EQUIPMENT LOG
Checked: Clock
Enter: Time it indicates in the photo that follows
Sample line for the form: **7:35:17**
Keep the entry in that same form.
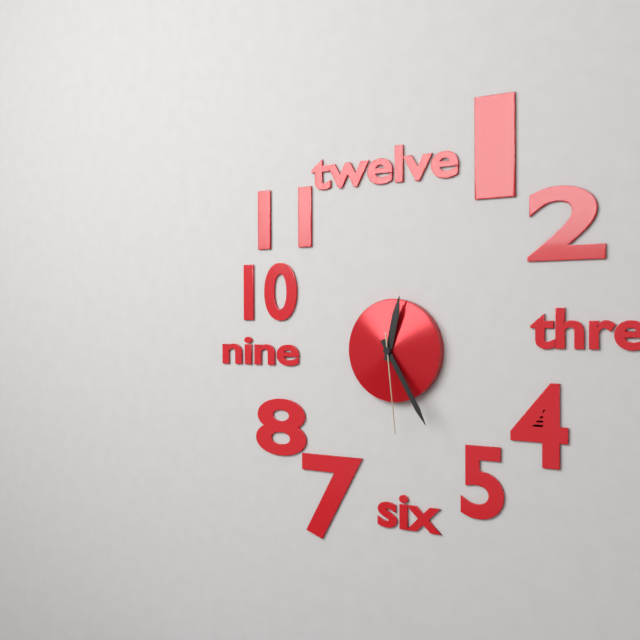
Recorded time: **12:25:29**
